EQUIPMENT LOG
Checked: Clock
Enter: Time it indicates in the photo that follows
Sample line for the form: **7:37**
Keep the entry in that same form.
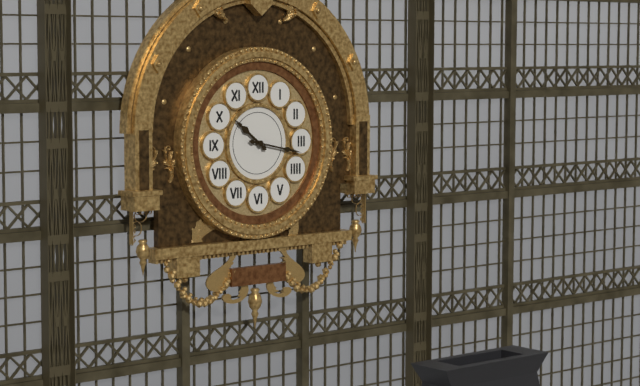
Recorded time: **10:17**
